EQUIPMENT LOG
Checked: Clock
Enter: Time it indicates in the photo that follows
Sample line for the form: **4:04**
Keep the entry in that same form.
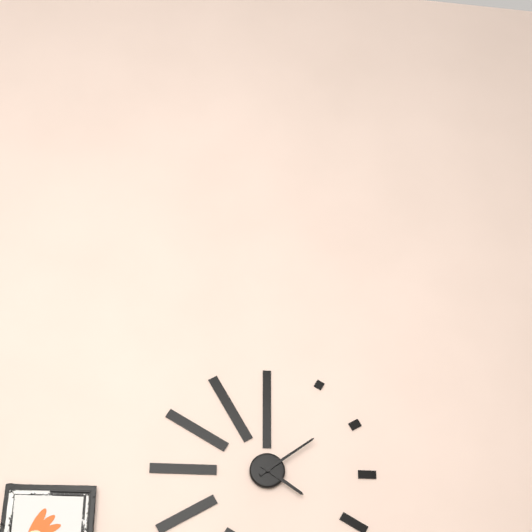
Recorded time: **4:09**
